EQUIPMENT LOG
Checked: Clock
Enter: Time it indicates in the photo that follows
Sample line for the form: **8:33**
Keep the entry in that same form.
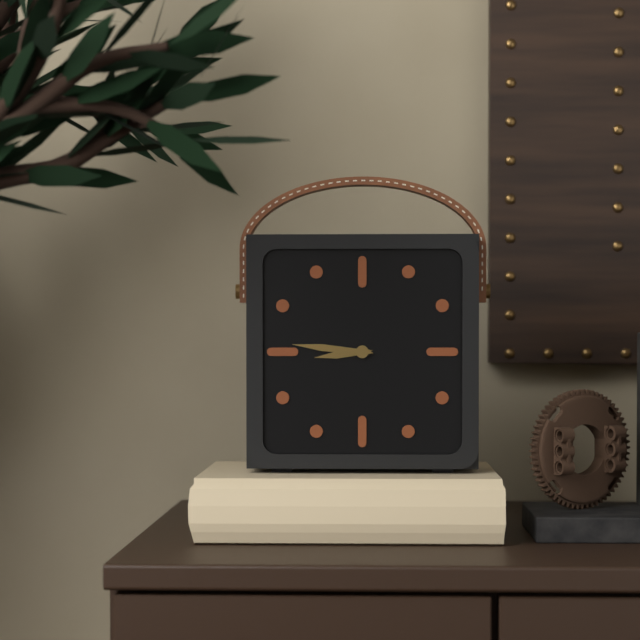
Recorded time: **8:46**
